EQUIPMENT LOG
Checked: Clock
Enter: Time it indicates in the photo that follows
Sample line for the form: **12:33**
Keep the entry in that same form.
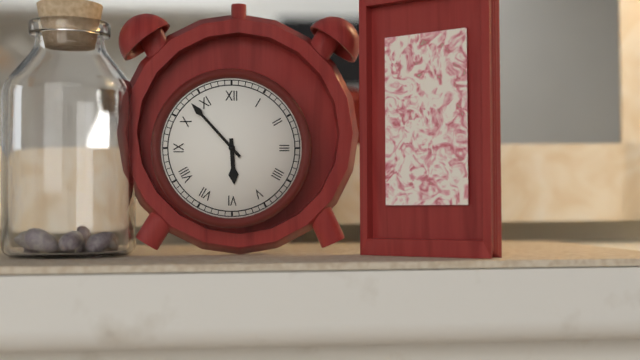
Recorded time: **5:53**
